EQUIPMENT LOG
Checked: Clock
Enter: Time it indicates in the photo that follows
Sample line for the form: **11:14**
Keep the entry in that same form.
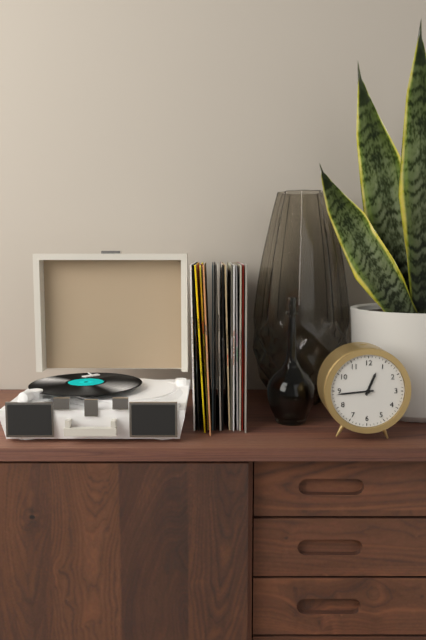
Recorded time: **12:44**
